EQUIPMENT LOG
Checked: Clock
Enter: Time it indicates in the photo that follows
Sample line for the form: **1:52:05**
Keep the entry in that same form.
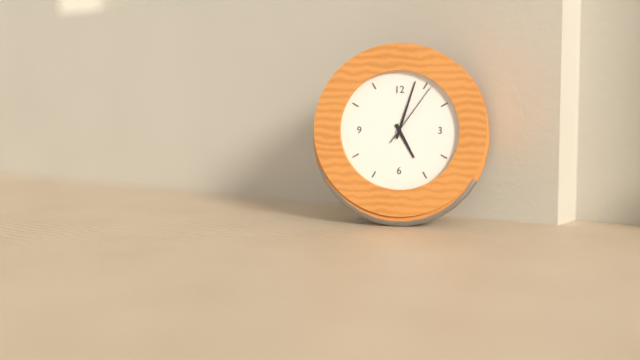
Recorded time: **5:03:06**
